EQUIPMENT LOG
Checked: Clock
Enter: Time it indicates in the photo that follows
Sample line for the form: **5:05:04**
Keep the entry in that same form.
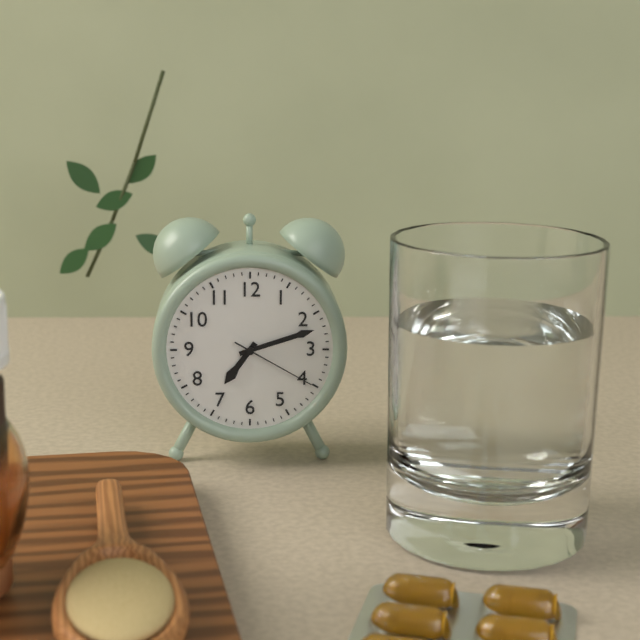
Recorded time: **7:12:20**
